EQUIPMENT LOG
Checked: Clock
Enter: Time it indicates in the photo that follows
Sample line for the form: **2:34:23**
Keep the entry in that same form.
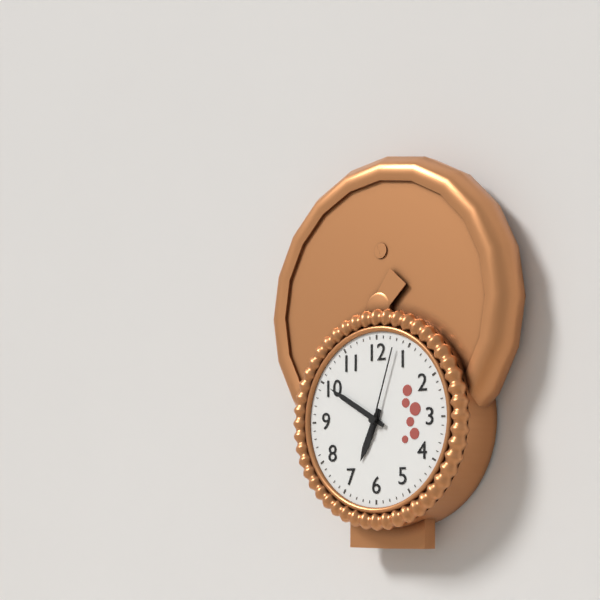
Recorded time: **6:50:03**
